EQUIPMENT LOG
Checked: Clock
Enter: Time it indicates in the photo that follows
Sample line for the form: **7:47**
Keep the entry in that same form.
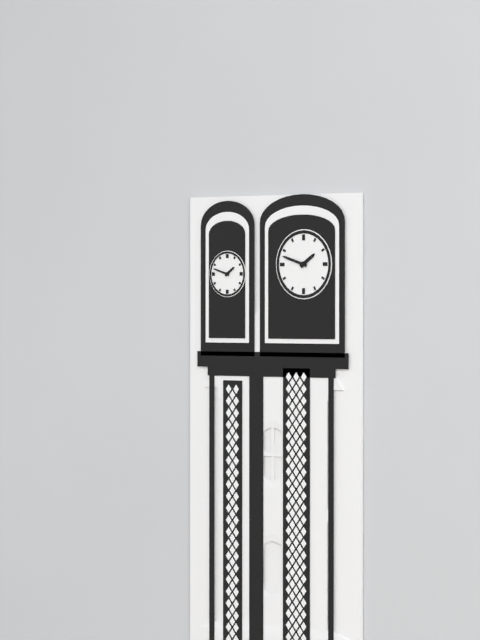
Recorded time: **1:48**
